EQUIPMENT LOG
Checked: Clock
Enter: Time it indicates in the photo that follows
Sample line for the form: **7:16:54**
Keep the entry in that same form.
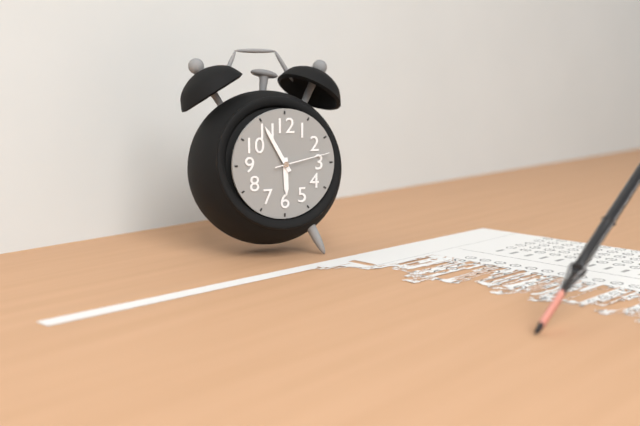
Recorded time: **5:55:13**
